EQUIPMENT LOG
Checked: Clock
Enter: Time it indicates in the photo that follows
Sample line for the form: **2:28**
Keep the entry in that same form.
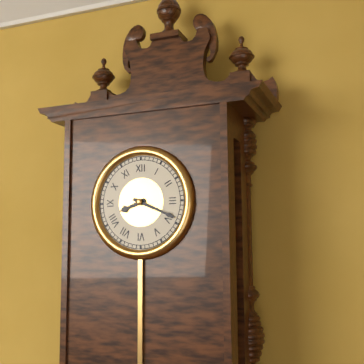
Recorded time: **8:19**
